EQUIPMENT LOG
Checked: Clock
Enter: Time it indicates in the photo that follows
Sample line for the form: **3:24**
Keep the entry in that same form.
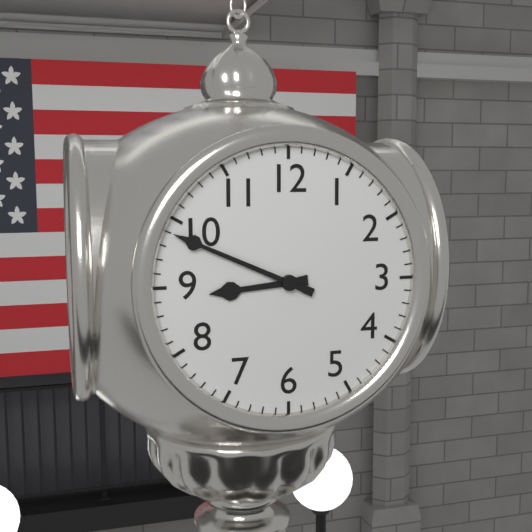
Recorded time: **8:49**
